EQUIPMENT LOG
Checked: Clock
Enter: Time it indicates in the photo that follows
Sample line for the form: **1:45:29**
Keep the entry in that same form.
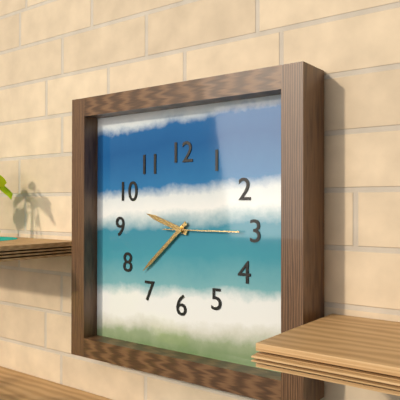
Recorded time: **9:38:15**
